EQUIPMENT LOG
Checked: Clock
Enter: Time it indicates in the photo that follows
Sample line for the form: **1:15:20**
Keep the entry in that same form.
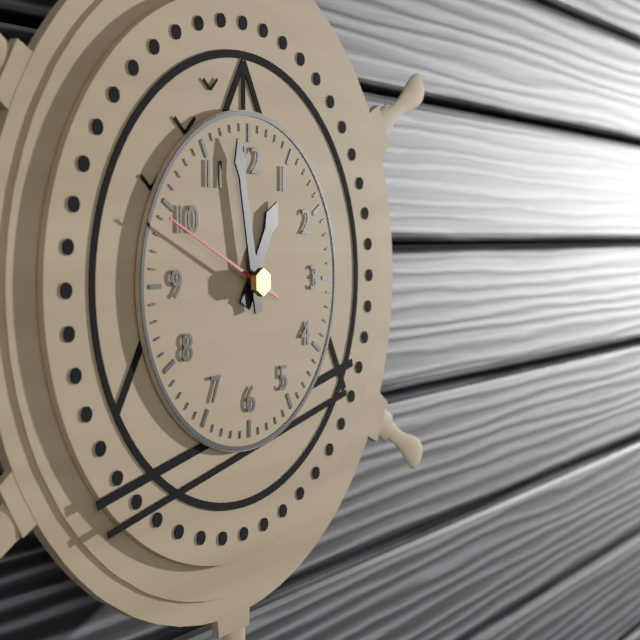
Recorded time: **12:58:49**
